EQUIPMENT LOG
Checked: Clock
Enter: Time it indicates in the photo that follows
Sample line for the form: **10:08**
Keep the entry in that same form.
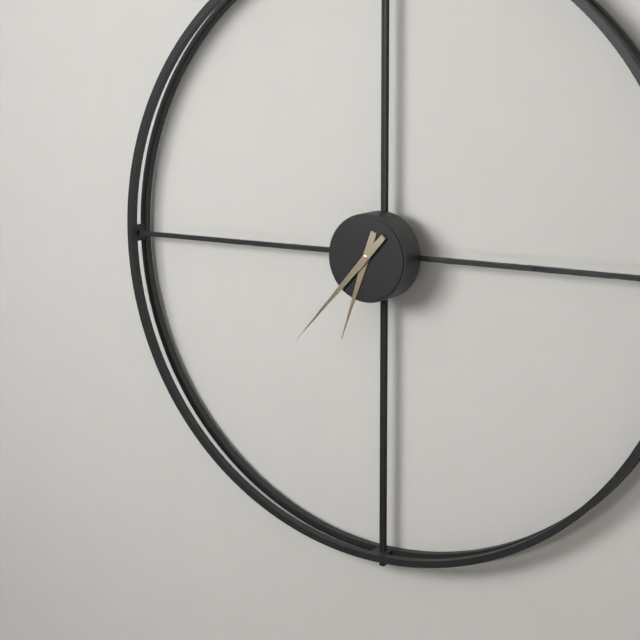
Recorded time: **6:37**
